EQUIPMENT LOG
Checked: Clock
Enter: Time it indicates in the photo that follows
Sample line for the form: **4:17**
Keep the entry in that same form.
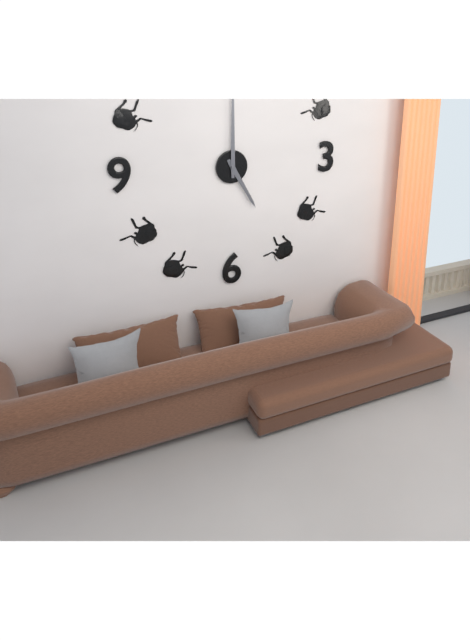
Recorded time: **5:00**
